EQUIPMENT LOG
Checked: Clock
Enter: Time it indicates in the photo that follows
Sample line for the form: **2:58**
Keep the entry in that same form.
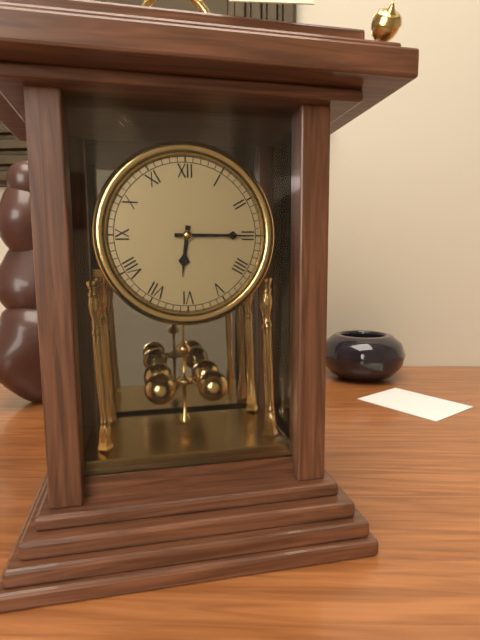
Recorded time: **6:15**
